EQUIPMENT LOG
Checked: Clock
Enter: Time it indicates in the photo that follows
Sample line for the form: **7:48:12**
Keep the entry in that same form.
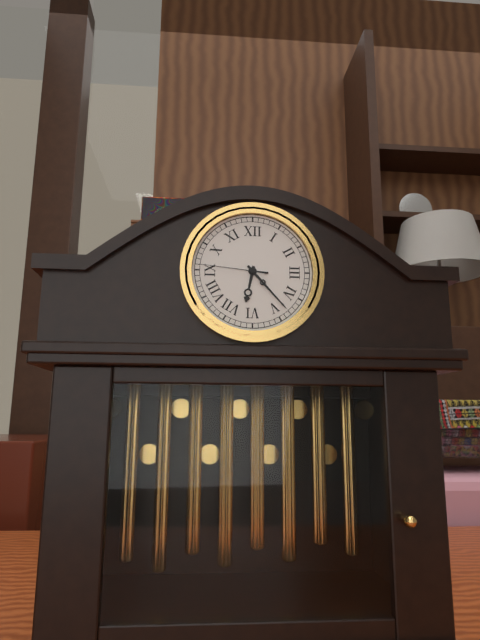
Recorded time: **6:23:46**
